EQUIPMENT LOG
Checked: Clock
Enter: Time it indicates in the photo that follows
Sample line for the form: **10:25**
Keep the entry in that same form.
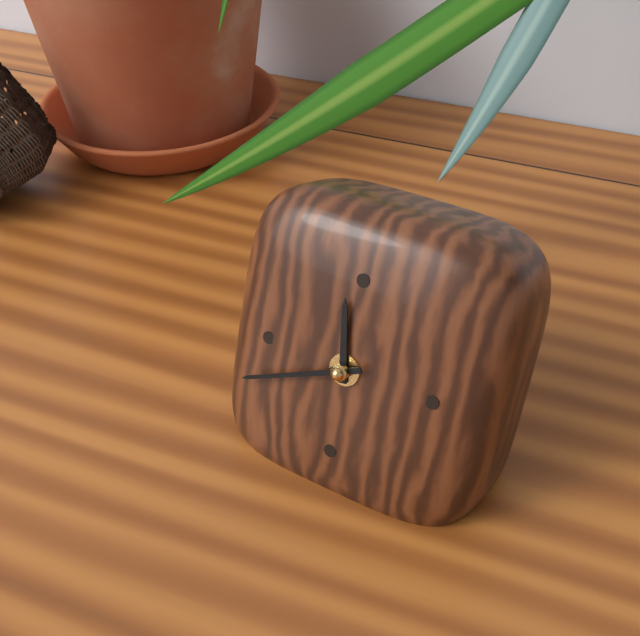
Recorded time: **11:41**
